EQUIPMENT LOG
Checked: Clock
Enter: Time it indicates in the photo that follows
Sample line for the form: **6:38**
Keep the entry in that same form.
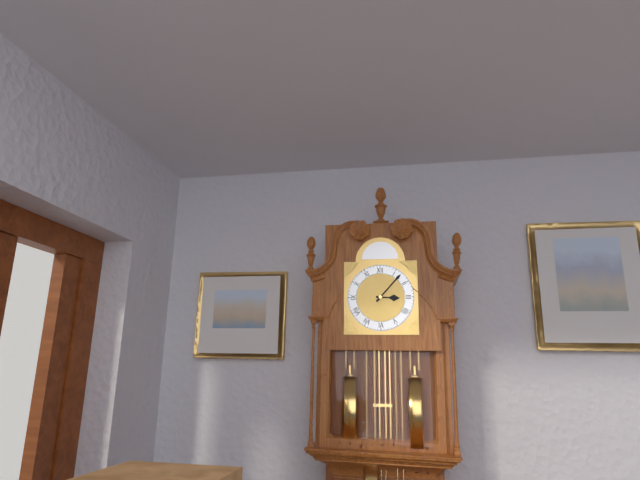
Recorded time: **3:07**
